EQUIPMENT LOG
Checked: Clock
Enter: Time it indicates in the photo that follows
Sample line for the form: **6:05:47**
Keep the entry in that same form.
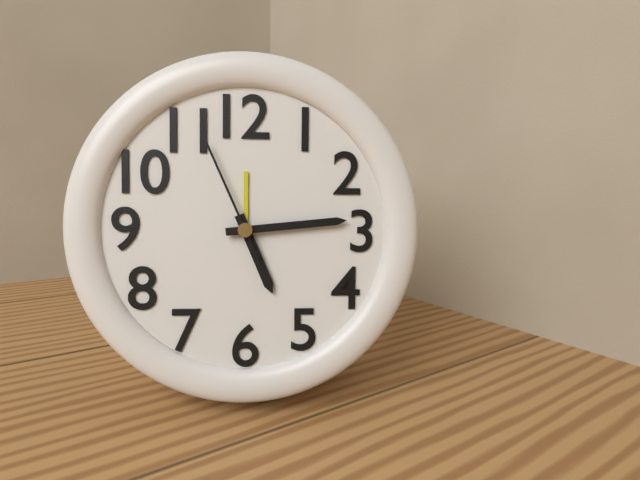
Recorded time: **5:14:56**
